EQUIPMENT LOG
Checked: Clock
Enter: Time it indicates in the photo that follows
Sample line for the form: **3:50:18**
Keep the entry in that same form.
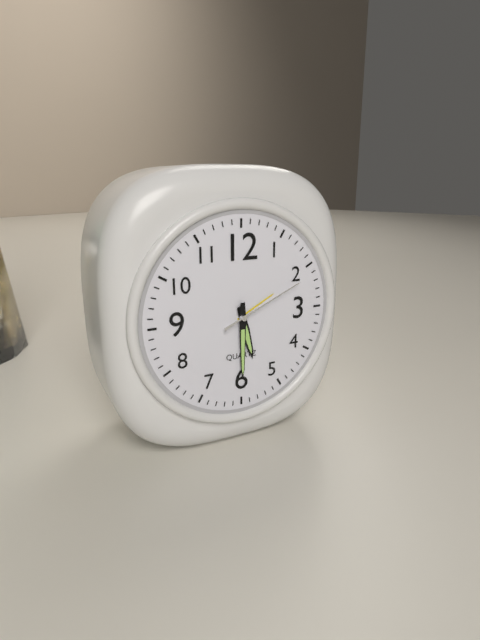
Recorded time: **5:30:11**
